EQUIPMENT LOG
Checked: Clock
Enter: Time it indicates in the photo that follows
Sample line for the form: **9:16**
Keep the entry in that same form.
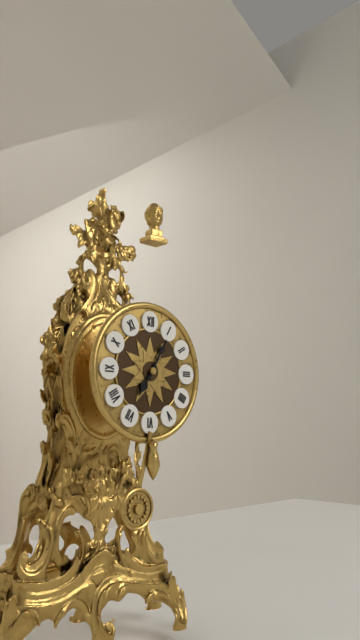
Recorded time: **7:05**
